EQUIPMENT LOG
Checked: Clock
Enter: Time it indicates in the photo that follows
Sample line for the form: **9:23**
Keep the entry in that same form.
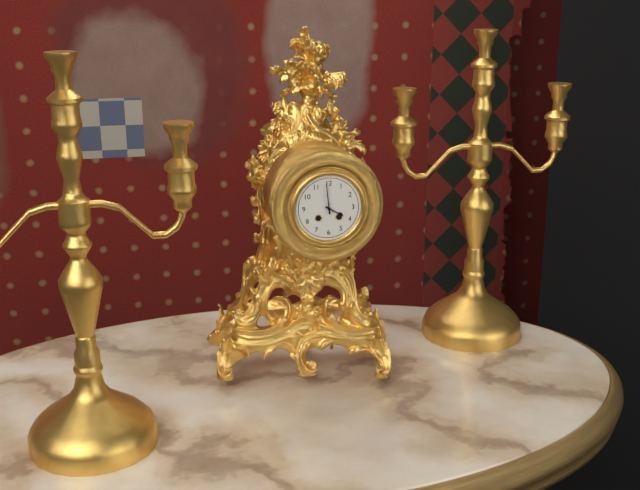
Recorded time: **3:59**
